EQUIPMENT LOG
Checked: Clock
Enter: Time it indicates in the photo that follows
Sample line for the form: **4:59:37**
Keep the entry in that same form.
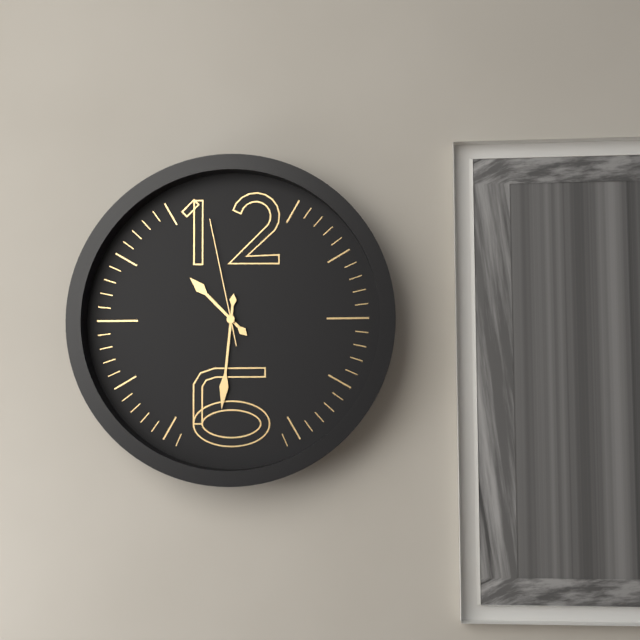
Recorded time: **10:31:58**
